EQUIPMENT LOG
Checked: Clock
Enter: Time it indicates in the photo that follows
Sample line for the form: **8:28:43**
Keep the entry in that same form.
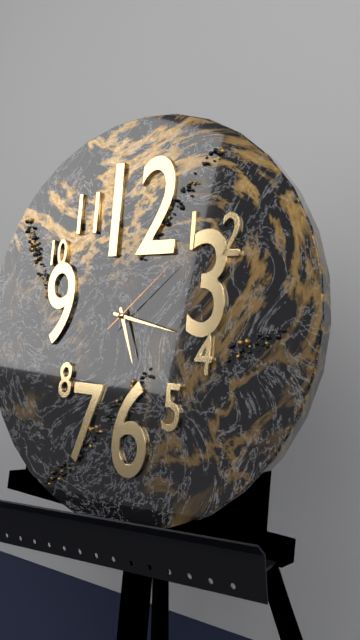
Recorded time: **5:17:08**
